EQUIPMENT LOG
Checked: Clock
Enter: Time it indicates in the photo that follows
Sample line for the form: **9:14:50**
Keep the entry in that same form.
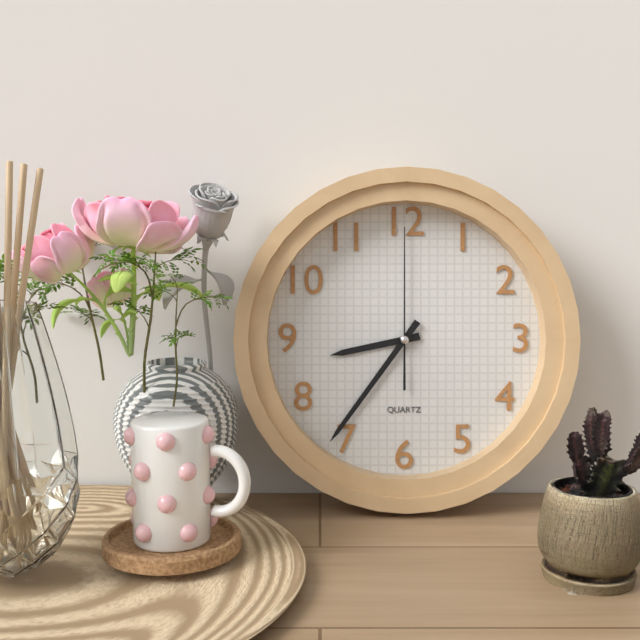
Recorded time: **8:36:00**
